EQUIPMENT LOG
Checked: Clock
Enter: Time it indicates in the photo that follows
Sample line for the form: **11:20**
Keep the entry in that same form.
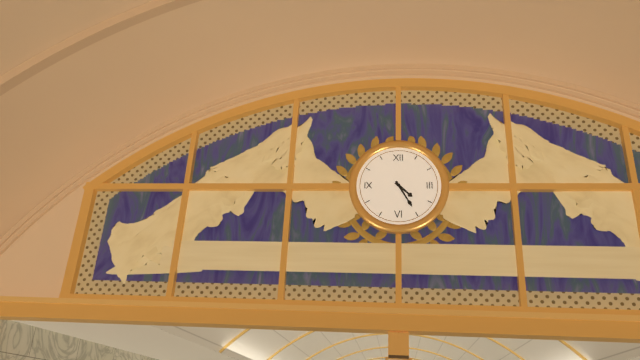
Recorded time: **4:25**
